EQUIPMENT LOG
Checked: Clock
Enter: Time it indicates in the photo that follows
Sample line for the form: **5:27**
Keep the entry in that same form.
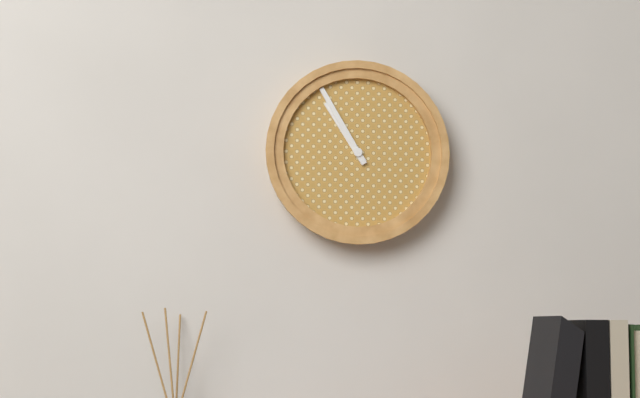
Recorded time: **10:55**
